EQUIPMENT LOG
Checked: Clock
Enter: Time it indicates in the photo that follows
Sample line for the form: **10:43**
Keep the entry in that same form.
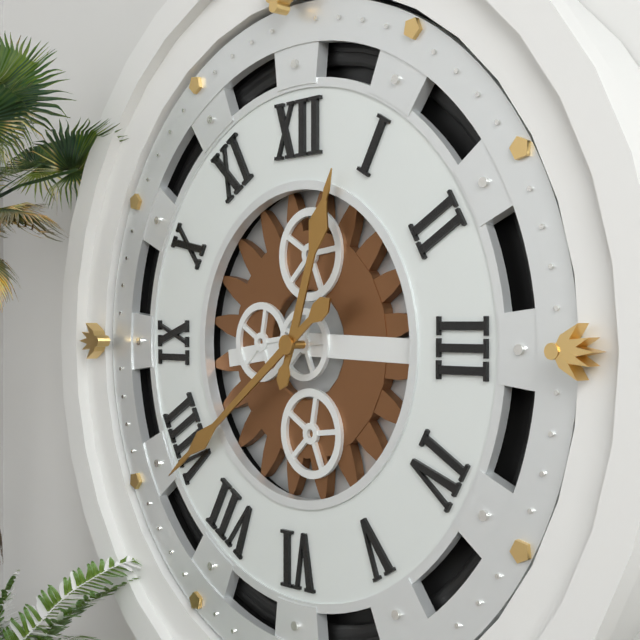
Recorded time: **12:39**
